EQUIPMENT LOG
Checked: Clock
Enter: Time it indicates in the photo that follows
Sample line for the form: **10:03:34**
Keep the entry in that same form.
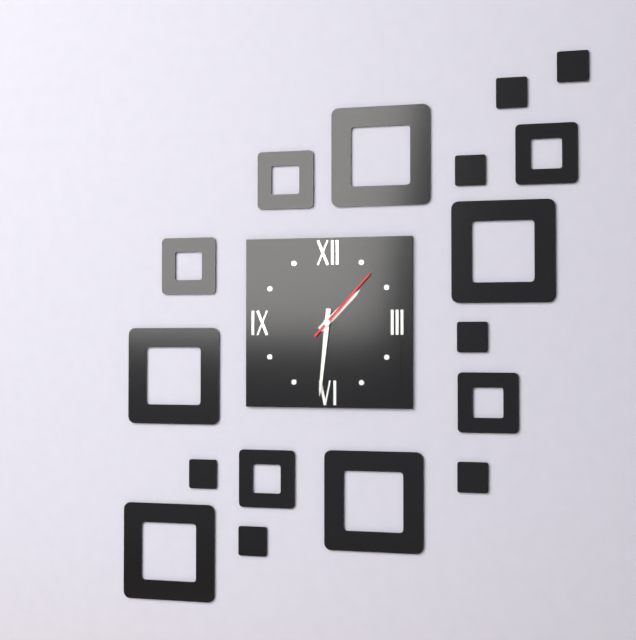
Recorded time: **1:31:07**
